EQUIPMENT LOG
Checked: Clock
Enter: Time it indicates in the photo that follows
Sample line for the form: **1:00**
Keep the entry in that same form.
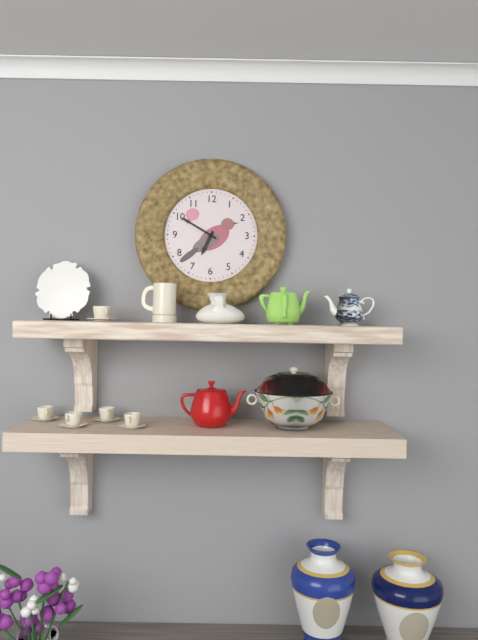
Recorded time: **6:50**
